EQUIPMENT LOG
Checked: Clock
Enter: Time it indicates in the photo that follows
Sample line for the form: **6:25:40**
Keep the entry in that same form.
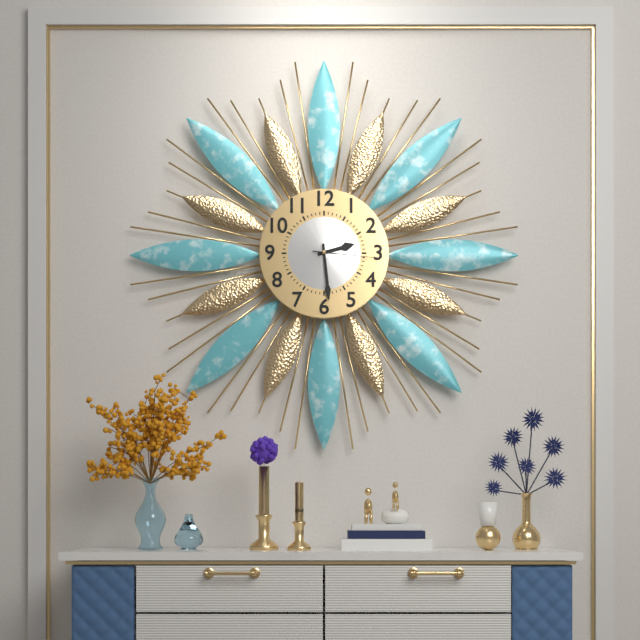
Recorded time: **2:29:16**
